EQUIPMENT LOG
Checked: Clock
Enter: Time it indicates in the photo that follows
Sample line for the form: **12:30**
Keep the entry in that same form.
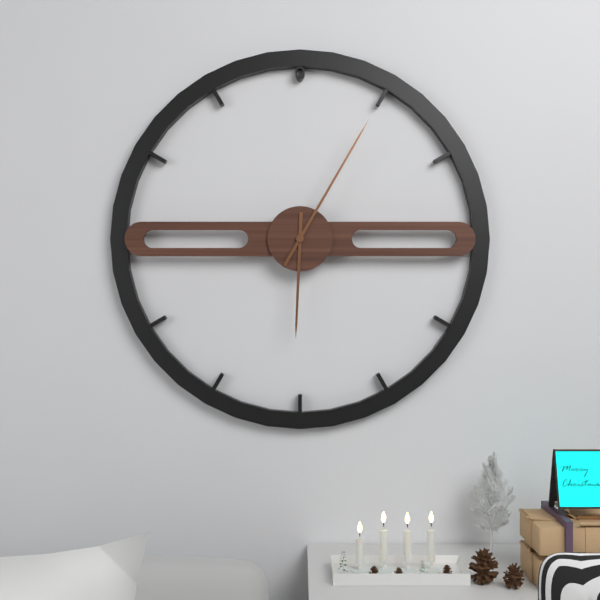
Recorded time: **6:05**
